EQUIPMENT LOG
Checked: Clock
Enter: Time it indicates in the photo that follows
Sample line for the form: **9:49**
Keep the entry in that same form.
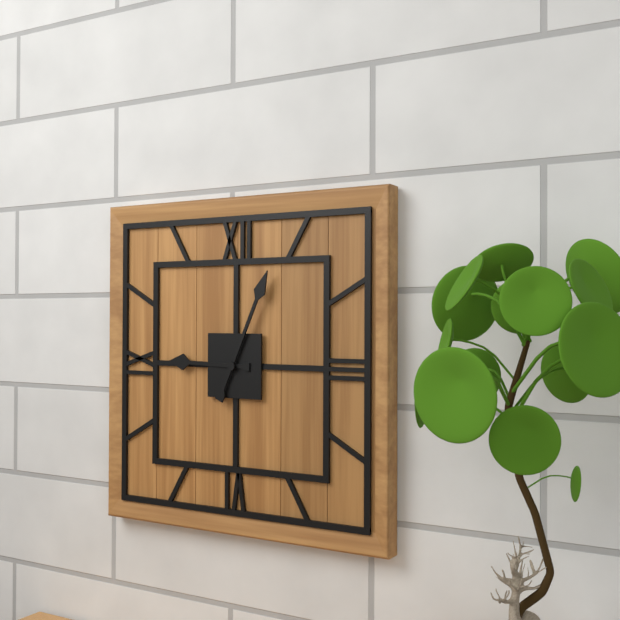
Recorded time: **9:04**
